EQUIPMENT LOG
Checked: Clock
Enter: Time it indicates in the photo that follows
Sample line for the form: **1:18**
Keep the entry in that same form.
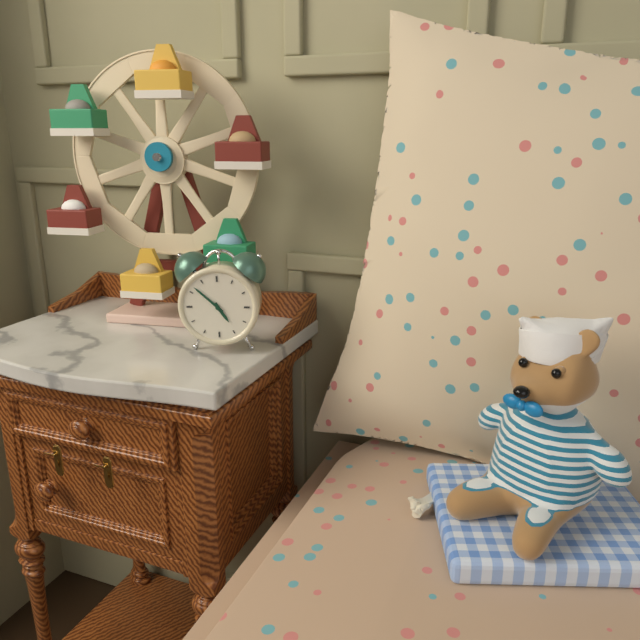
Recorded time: **4:52**
